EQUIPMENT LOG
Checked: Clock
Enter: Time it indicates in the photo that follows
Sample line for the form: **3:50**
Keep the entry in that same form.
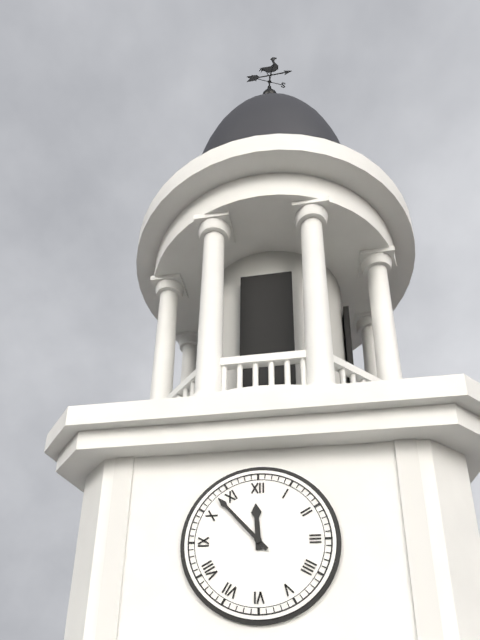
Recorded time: **11:53**
